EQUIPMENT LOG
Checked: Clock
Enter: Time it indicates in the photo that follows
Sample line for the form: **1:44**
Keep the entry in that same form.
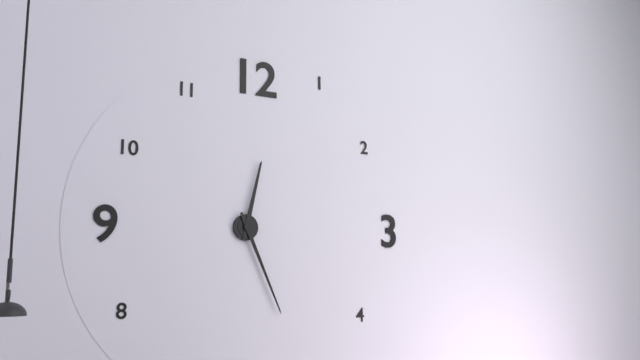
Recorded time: **12:26**
